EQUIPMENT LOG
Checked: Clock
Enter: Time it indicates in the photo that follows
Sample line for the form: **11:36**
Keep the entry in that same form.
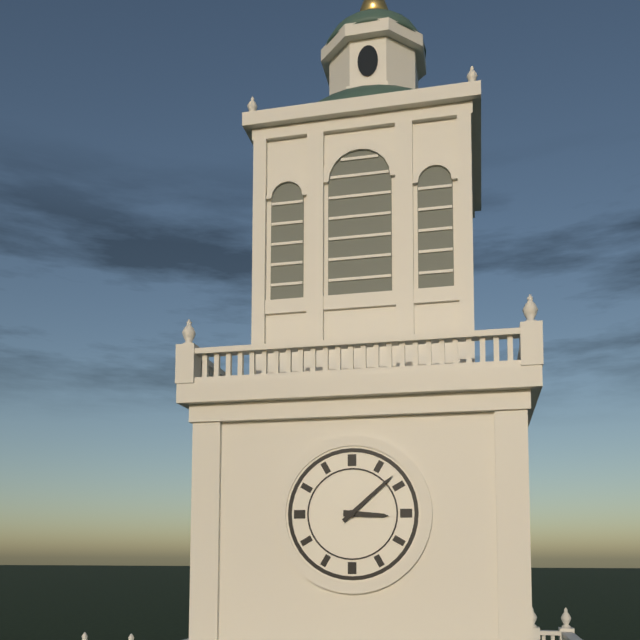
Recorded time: **3:08**
